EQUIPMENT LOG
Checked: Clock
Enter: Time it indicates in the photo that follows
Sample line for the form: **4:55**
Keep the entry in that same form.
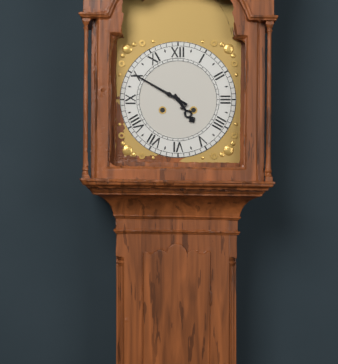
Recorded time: **4:50**
